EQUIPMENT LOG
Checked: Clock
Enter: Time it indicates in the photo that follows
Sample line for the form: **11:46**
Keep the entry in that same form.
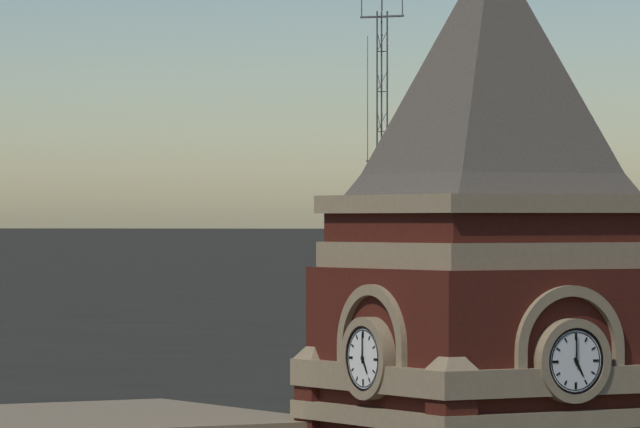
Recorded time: **5:00**
